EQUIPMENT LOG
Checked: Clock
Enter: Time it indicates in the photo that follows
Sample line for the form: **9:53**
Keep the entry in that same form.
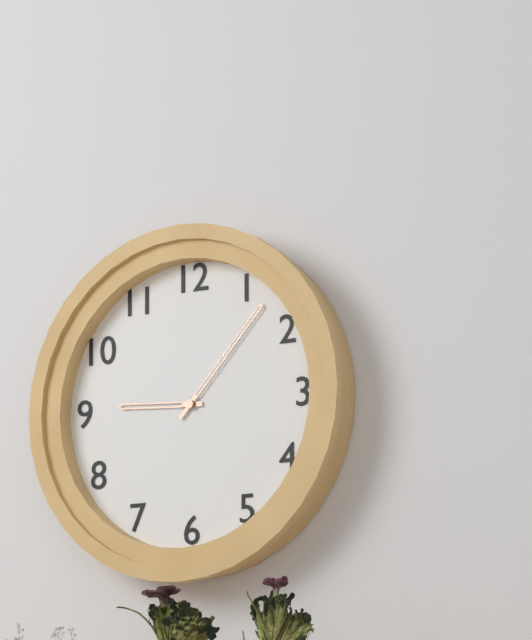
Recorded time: **9:07**
